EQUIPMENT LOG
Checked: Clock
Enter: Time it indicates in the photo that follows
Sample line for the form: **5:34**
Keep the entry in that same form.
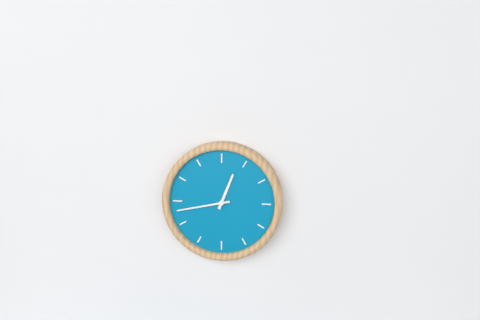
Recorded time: **12:43**
